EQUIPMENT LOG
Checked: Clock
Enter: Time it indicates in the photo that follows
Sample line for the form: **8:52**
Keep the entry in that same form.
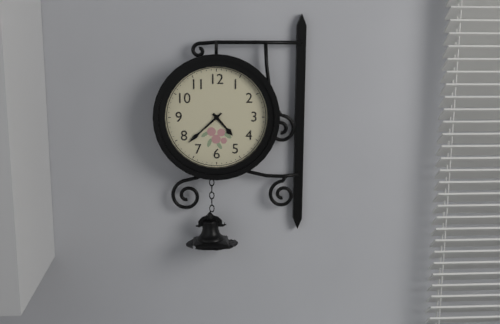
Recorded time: **4:38**
